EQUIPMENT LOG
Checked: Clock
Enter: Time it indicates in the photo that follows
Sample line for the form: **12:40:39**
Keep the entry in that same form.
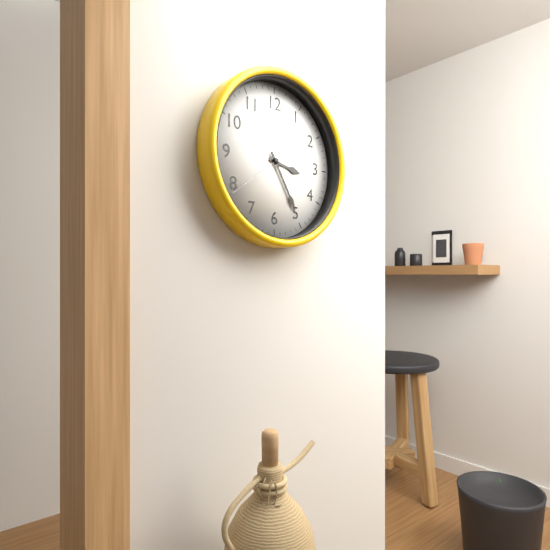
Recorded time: **3:25:39**
